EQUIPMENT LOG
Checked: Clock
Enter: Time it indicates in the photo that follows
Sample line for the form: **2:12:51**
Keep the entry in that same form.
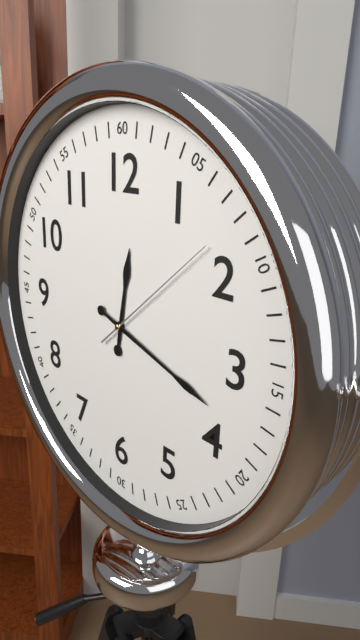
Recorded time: **12:18:08**
